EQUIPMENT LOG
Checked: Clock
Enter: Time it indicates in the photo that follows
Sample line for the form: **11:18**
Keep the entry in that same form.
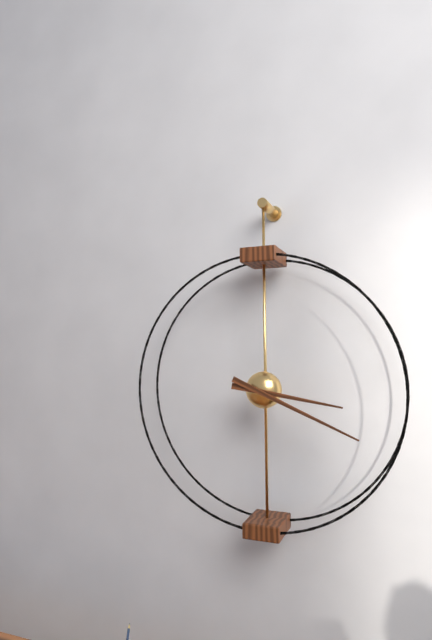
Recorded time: **3:19**
